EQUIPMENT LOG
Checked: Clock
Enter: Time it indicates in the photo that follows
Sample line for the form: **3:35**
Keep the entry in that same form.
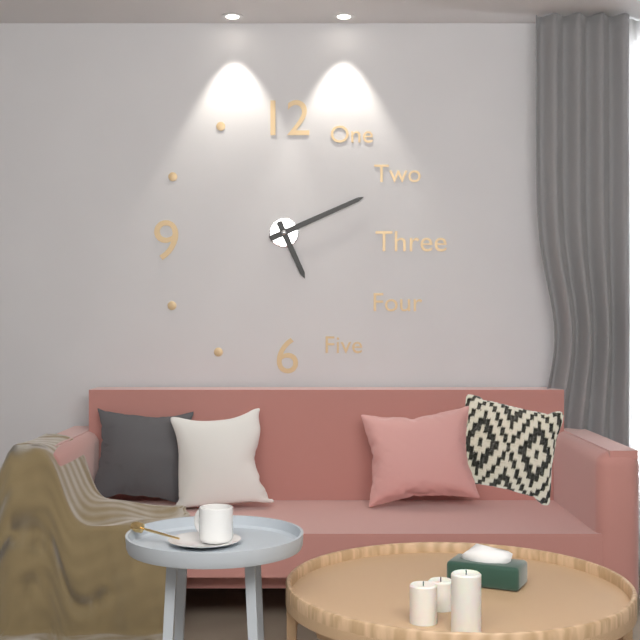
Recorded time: **5:11**
